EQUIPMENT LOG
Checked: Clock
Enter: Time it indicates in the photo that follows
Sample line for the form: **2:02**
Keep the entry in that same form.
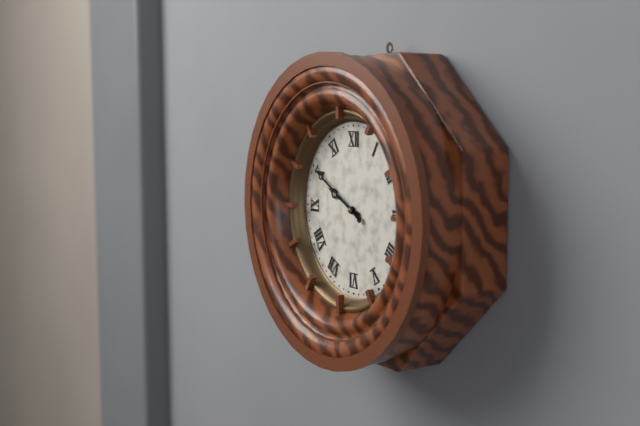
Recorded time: **9:50**
